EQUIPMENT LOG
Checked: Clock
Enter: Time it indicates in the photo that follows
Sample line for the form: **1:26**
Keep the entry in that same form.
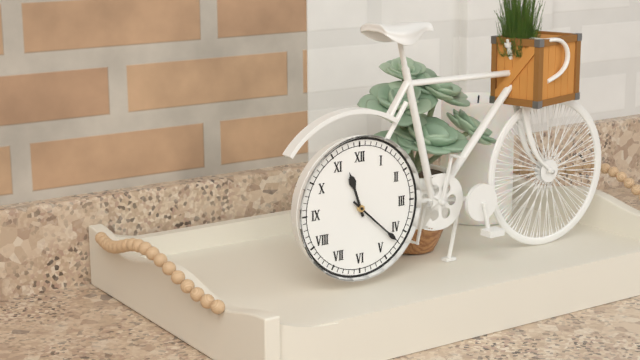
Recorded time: **11:22**
